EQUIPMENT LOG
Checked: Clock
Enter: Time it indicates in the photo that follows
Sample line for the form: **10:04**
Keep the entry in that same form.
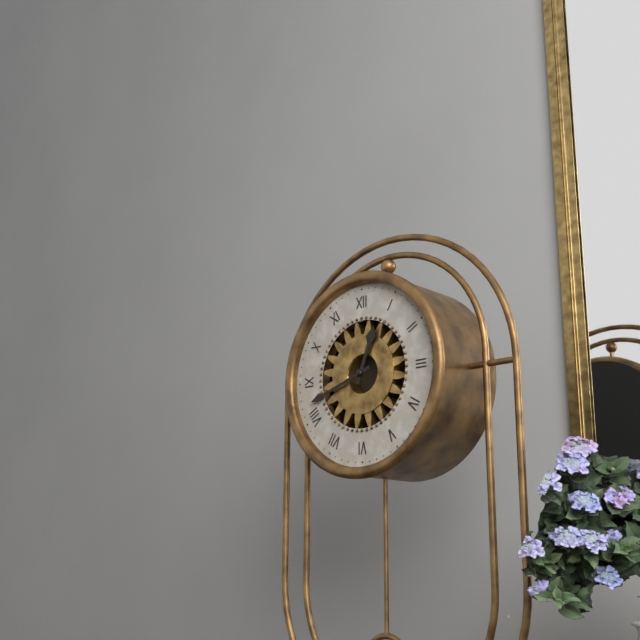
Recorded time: **12:42**
